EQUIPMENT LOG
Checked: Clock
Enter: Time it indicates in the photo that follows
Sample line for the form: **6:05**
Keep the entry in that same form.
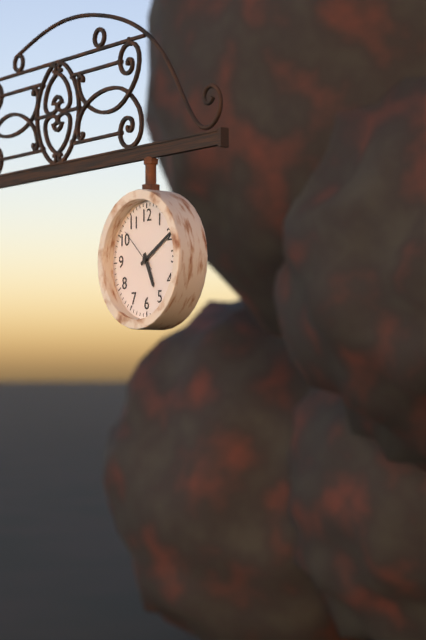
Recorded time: **5:10**
